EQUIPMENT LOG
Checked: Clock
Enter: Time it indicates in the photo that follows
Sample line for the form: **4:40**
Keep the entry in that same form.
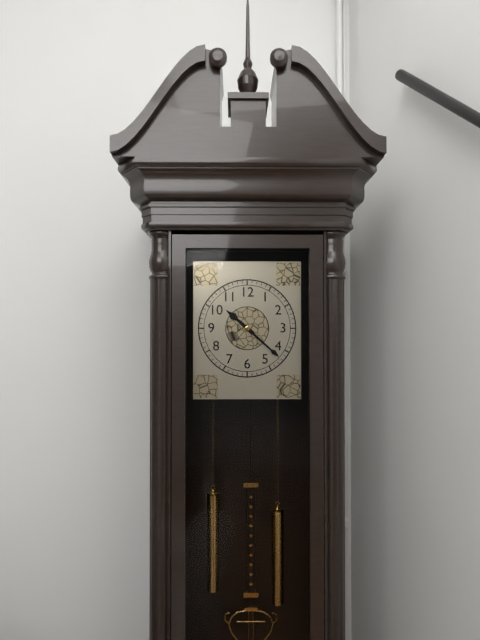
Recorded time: **10:22**
